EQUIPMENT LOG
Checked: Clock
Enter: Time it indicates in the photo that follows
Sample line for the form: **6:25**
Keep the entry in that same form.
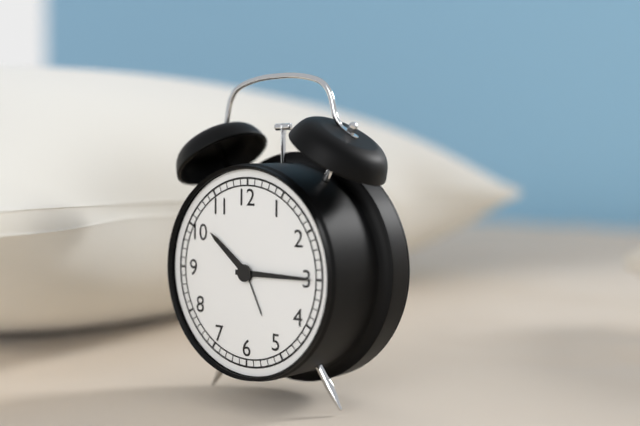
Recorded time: **10:15**
